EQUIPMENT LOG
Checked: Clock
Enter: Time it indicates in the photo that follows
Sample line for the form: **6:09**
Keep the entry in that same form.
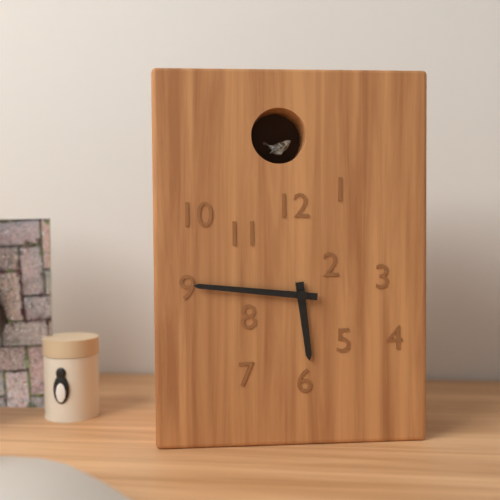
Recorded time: **5:46**
